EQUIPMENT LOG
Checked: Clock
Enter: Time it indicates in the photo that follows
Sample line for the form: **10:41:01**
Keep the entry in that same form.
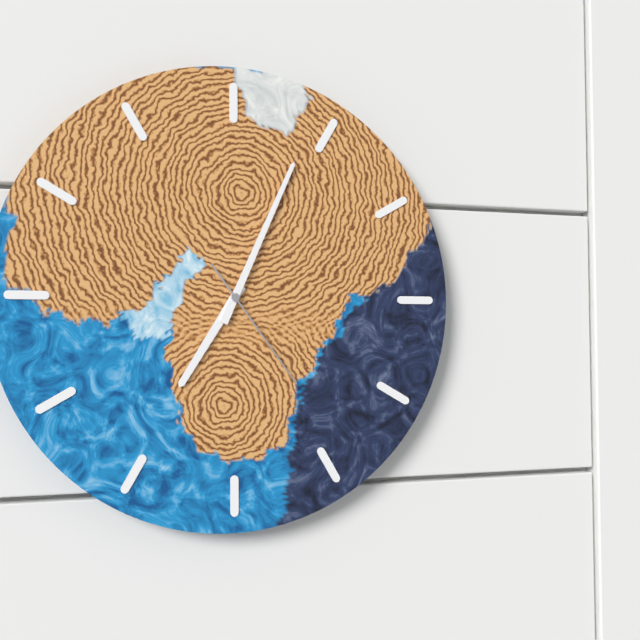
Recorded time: **7:04:24**
